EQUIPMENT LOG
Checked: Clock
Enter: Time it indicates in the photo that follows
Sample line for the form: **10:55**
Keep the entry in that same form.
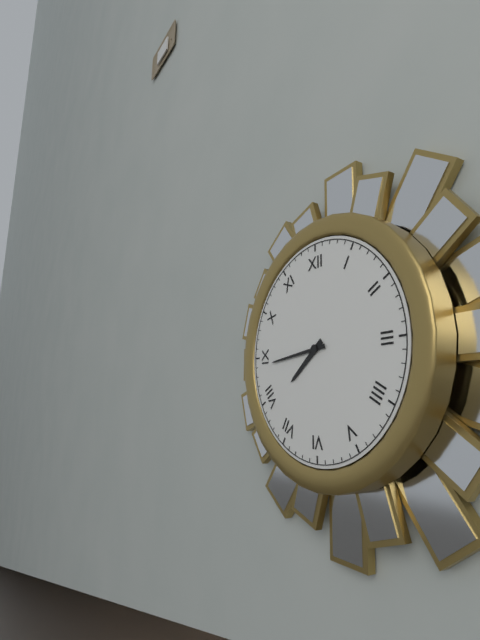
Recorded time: **7:44**
